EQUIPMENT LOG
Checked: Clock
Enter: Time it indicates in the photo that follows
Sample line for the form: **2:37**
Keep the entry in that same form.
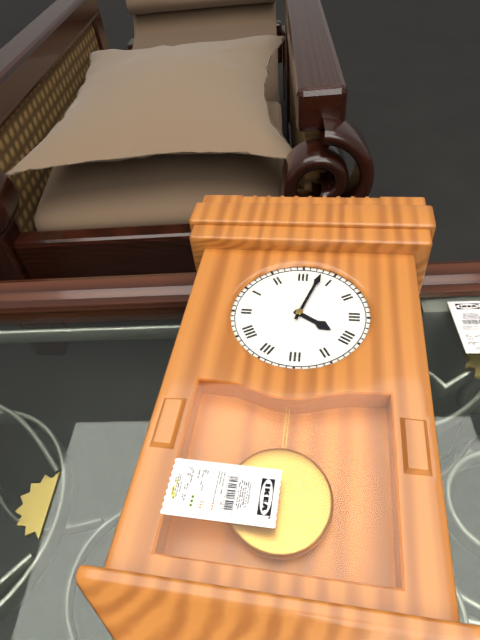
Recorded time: **4:03**
